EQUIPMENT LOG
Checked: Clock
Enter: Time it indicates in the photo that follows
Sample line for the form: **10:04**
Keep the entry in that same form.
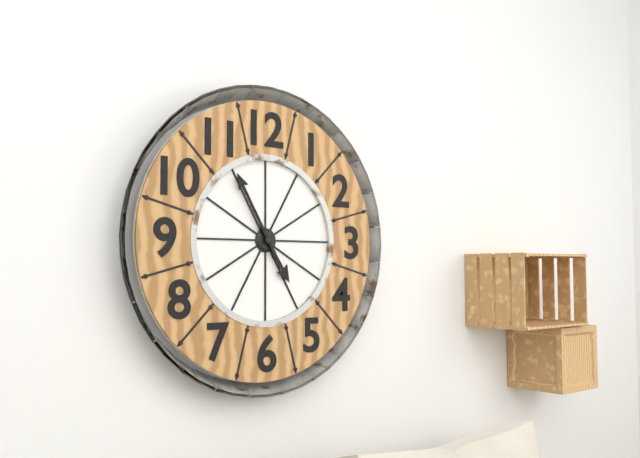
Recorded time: **4:55**
